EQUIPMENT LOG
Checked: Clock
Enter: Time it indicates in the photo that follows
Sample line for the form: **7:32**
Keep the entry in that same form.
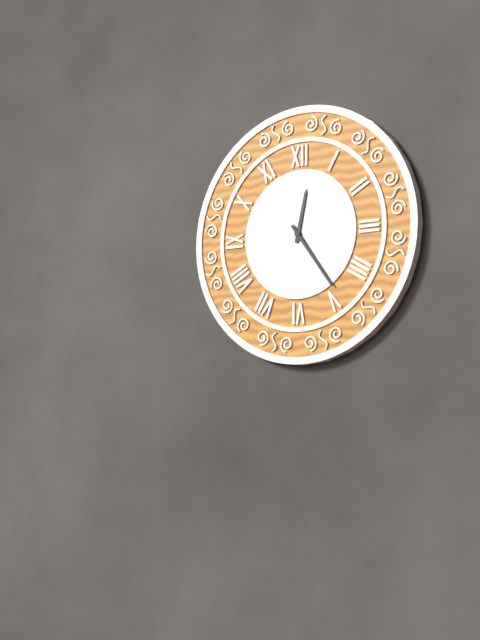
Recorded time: **12:24**
